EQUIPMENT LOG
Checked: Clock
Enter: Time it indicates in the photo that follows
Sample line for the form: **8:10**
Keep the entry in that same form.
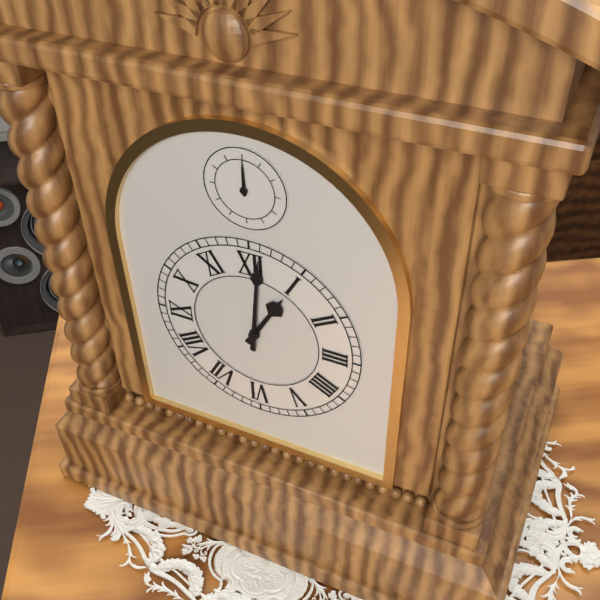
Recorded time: **1:01**
